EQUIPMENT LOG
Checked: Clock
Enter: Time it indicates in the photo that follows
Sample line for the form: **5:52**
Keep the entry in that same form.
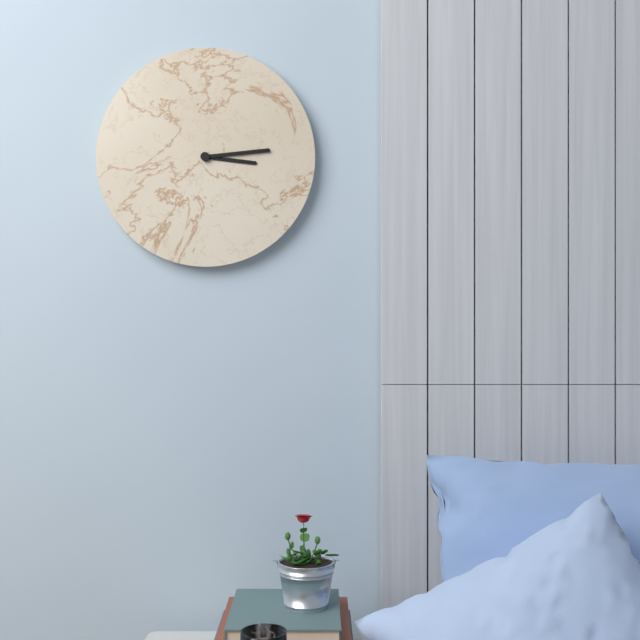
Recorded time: **3:14**
